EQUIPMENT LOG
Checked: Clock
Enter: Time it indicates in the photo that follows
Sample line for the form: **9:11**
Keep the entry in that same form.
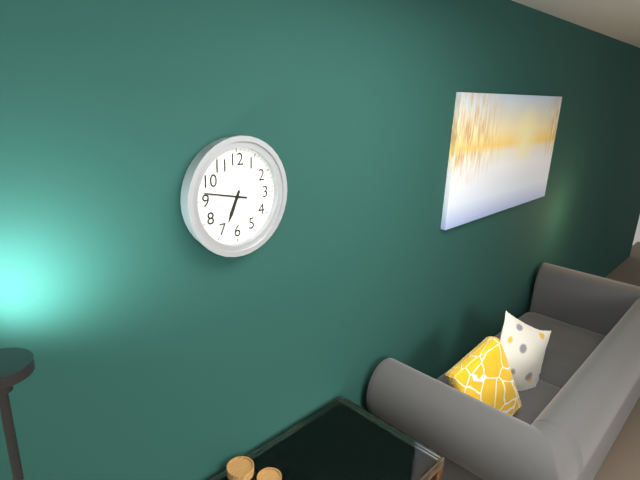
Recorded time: **6:47**
